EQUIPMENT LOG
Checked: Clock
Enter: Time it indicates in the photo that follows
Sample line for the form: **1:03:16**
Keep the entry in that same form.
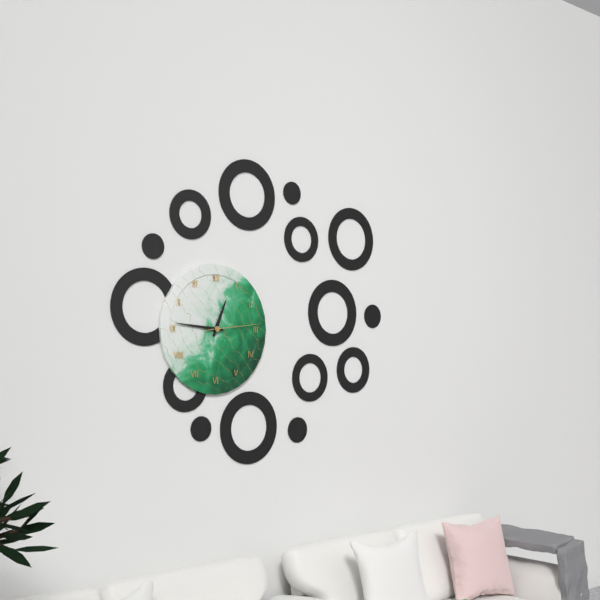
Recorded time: **12:46:14**
